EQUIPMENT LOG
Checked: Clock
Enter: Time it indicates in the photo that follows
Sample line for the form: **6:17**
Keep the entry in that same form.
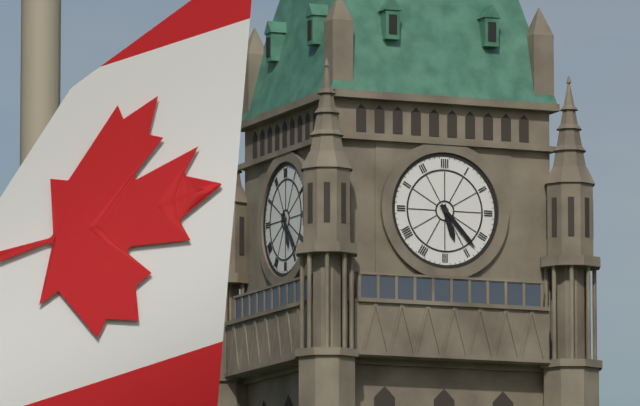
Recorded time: **5:23**
